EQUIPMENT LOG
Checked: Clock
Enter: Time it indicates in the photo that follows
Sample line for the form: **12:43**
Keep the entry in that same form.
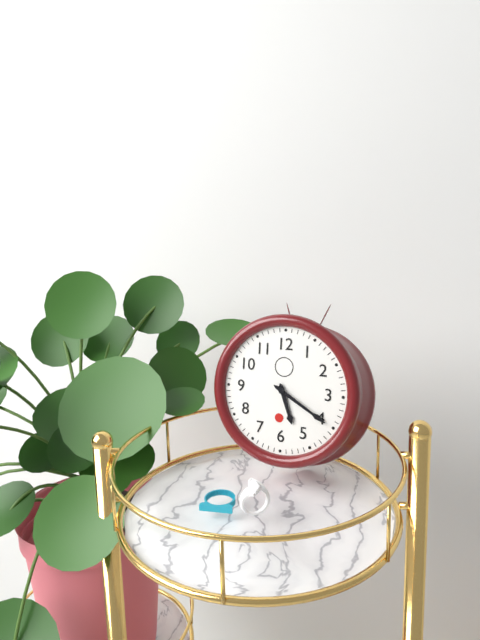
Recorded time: **5:20**
